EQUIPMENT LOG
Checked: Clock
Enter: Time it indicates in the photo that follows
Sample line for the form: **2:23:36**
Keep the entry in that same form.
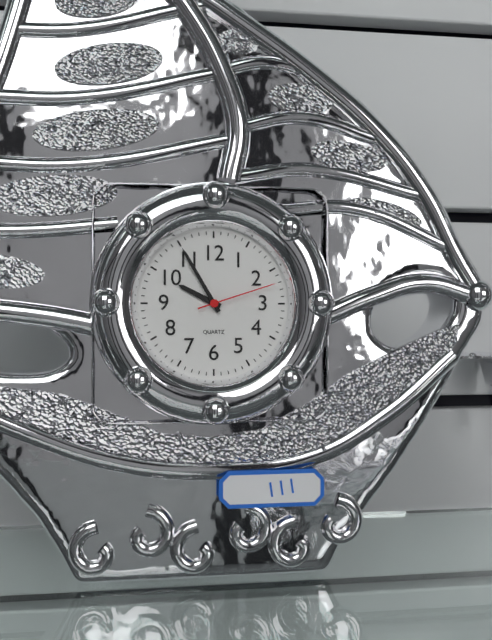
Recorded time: **9:55:12**
